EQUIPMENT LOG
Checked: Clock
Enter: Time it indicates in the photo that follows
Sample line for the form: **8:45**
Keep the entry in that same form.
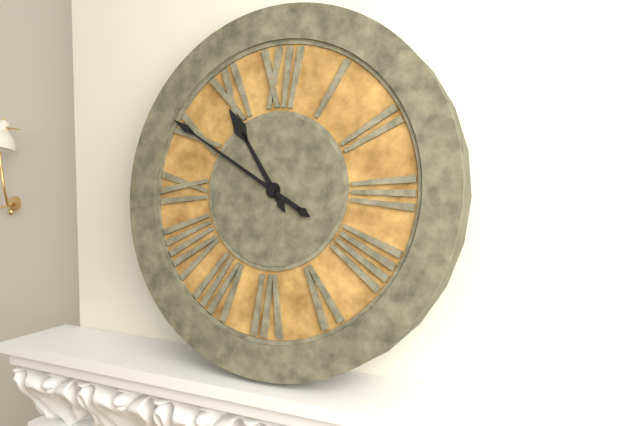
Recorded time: **10:50**
